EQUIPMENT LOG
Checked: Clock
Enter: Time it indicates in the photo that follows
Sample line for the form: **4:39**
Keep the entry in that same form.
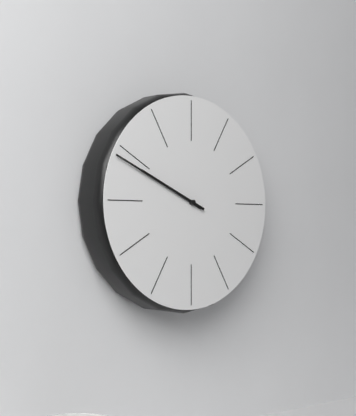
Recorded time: **9:49**
